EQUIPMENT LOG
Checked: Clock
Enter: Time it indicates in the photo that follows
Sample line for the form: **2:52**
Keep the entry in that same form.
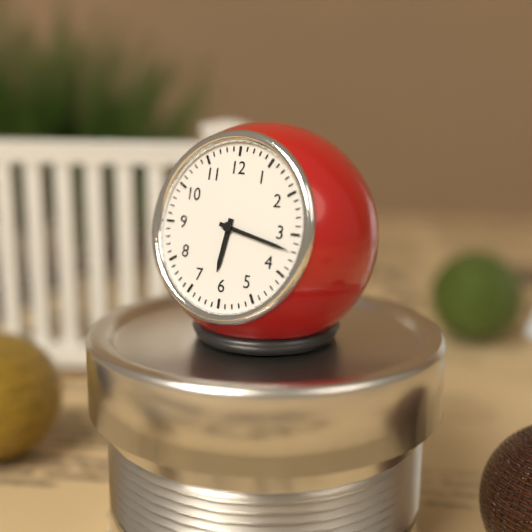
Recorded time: **6:17**
